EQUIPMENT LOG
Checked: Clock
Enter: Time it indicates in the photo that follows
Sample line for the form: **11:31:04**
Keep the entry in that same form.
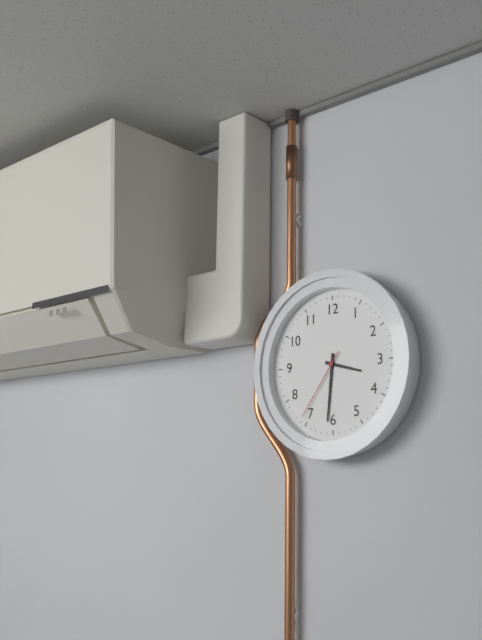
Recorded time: **3:31:36**
